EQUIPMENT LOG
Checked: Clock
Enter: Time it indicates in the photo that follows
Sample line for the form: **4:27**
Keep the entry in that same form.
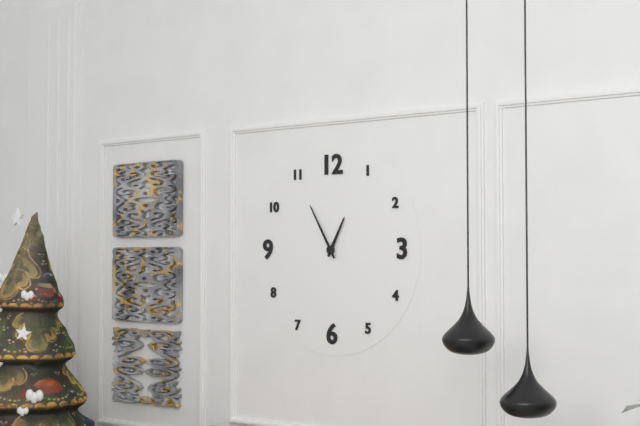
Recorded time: **12:55**
